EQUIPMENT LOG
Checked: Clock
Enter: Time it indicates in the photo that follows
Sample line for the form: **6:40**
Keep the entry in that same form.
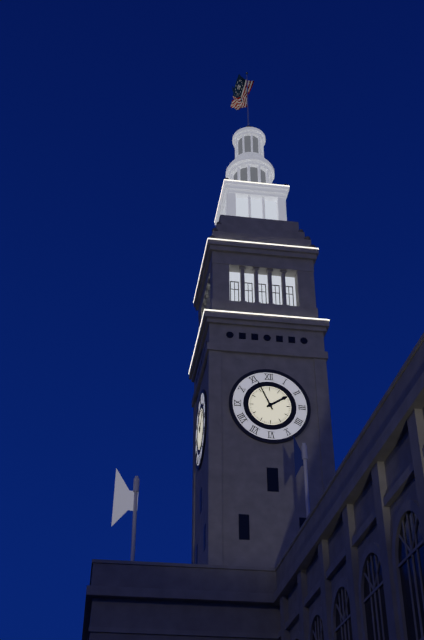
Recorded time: **1:56**
